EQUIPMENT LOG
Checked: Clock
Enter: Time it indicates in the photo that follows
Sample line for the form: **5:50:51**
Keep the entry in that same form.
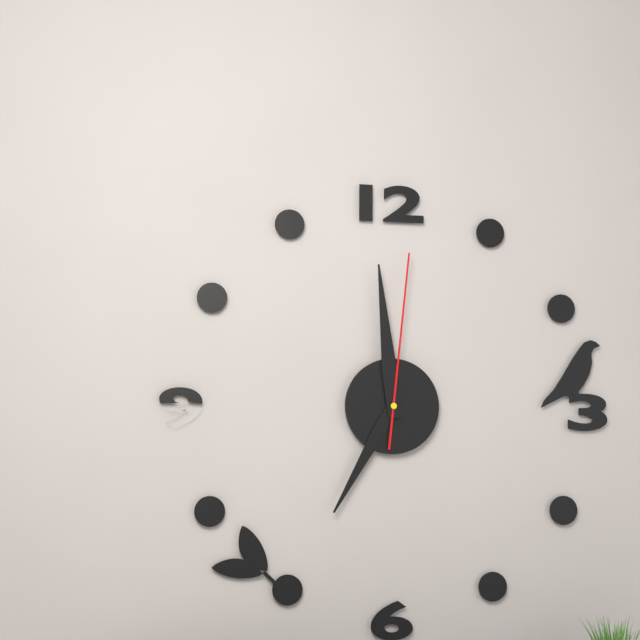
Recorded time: **6:59:01**
